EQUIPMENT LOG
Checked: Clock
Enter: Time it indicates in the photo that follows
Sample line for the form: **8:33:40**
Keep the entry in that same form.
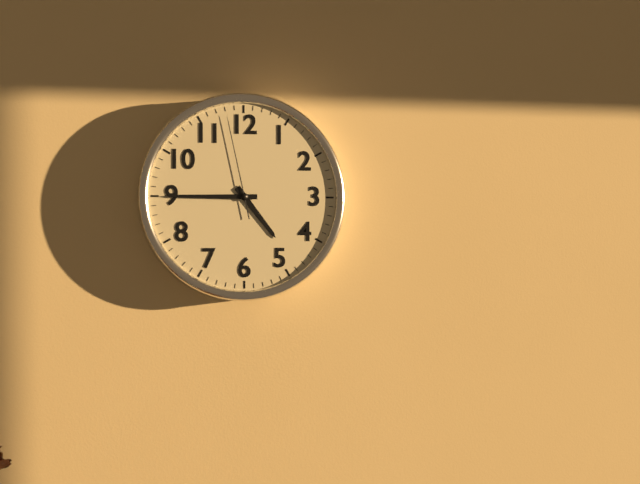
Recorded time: **4:45:58**
